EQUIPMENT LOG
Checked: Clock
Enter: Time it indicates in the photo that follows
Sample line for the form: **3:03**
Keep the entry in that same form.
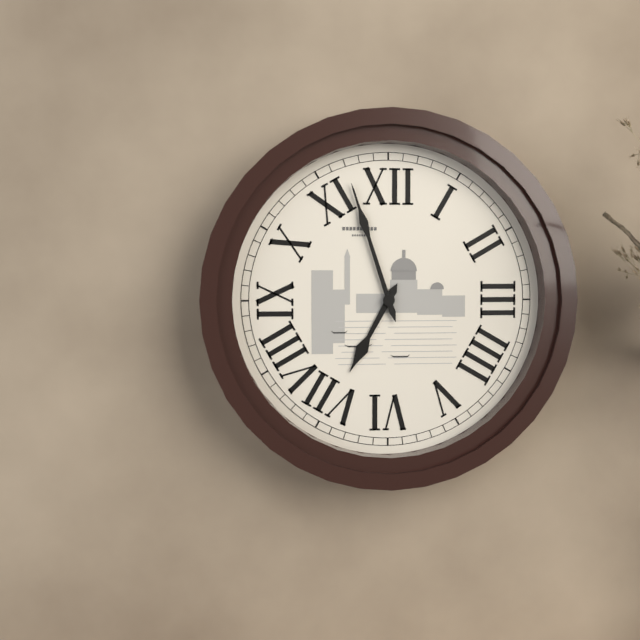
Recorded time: **6:57**
